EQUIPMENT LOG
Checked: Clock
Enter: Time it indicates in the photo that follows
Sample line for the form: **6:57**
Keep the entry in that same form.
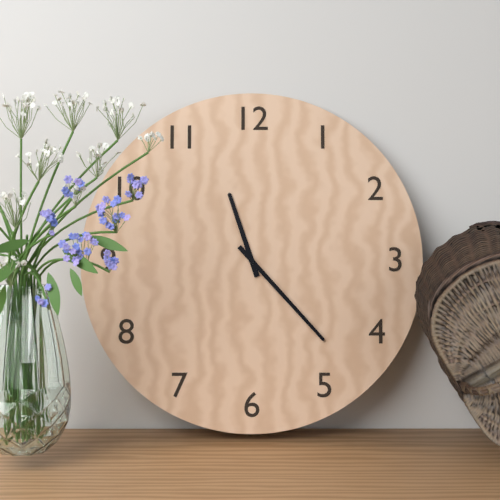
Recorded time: **11:23**
